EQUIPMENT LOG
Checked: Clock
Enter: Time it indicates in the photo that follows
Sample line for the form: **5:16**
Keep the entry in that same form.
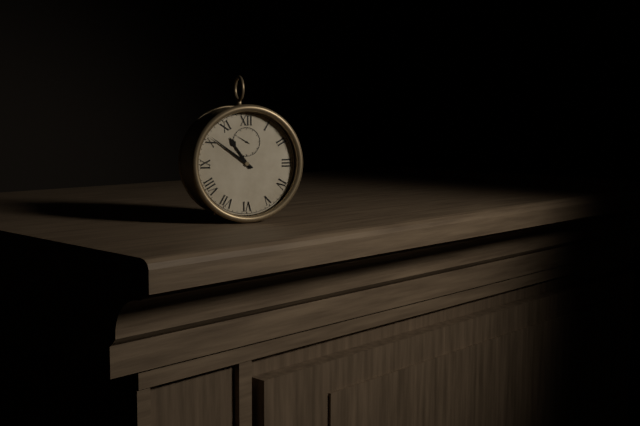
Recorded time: **10:51**
